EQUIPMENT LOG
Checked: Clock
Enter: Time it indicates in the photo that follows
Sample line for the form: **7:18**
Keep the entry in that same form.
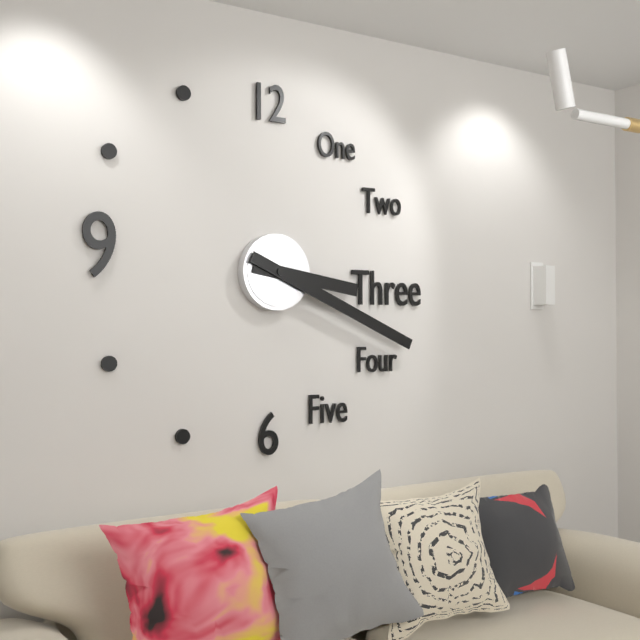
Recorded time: **3:19**
